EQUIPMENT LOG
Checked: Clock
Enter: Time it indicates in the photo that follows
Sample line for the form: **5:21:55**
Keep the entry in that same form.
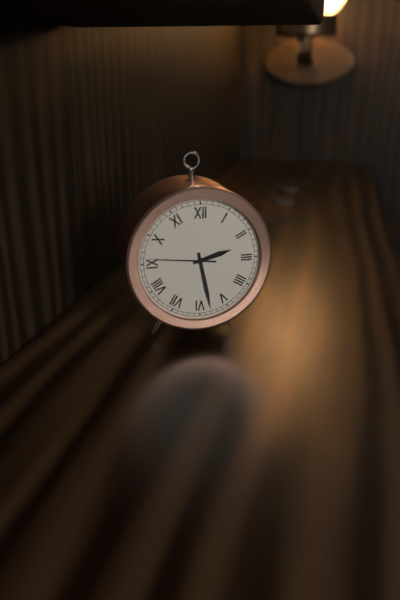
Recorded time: **2:28:46**
